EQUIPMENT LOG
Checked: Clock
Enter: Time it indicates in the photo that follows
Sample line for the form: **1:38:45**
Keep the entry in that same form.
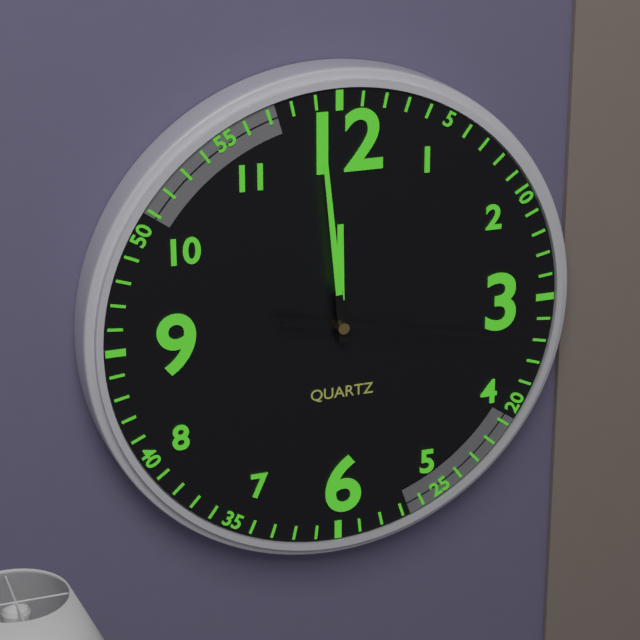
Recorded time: **11:59:17**
